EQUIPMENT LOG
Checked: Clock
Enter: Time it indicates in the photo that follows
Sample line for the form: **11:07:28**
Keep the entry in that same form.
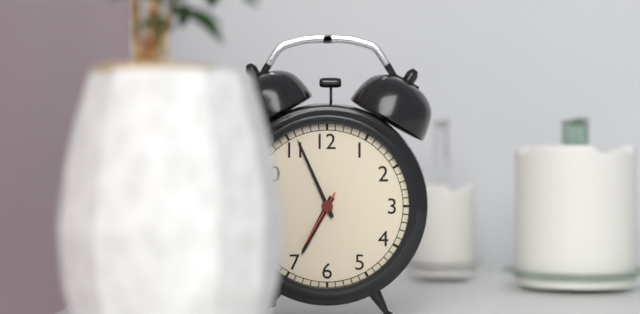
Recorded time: **6:56:35**
